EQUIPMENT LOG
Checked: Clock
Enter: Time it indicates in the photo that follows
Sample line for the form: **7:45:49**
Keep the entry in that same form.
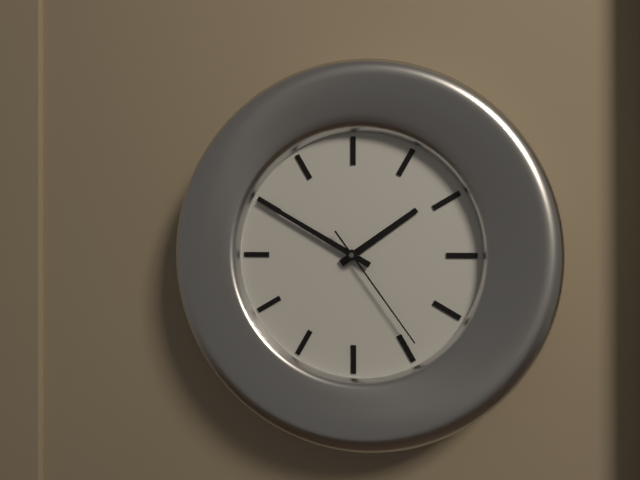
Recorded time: **1:50:24**
